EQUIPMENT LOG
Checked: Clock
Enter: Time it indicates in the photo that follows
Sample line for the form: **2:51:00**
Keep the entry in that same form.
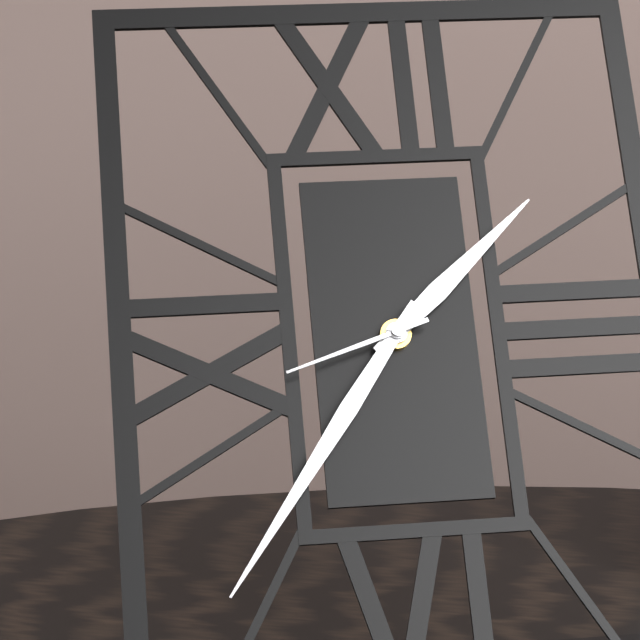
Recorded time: **1:36:42**
